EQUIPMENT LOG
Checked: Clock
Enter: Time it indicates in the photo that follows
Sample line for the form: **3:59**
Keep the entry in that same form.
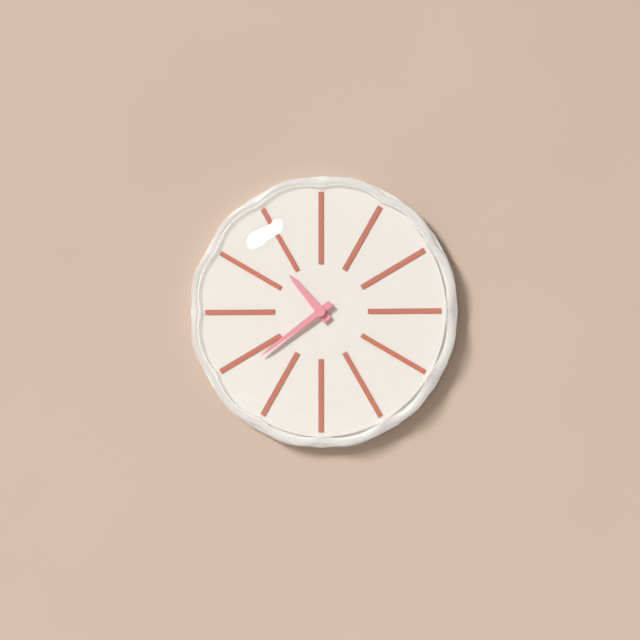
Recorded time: **10:39**
